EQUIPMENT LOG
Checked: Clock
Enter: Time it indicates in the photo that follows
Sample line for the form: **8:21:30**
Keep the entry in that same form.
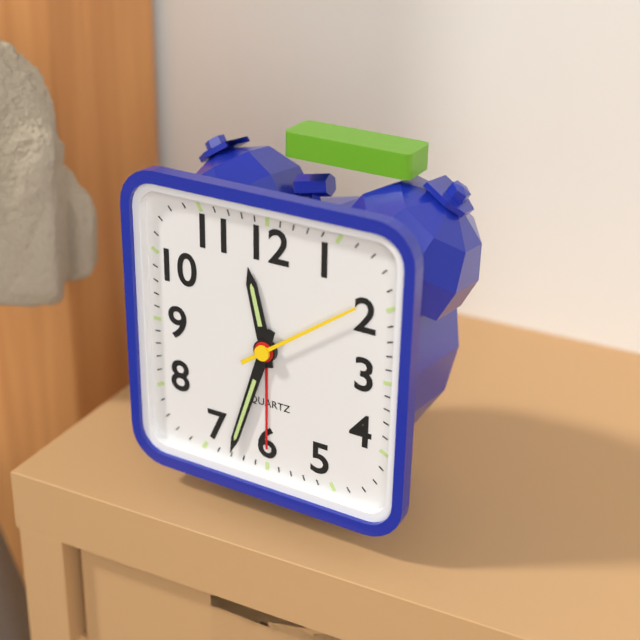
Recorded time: **11:33:09**
